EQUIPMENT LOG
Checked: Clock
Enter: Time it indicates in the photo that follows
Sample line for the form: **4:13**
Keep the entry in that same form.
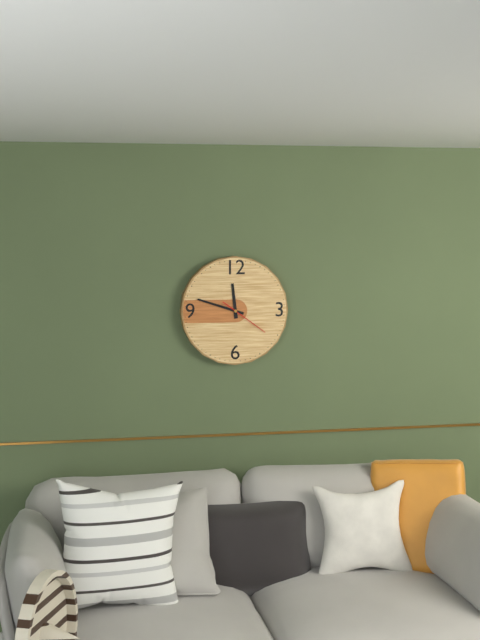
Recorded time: **11:48**
